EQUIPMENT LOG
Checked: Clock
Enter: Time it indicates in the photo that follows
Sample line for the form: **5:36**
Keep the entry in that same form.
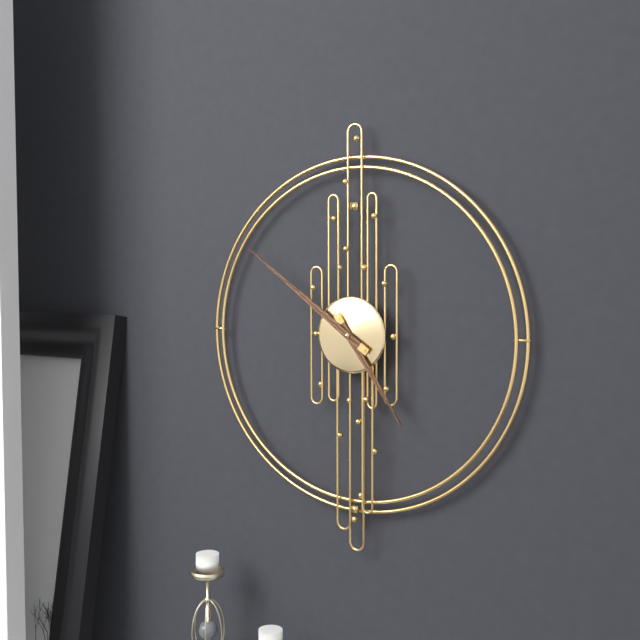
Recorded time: **4:51**
